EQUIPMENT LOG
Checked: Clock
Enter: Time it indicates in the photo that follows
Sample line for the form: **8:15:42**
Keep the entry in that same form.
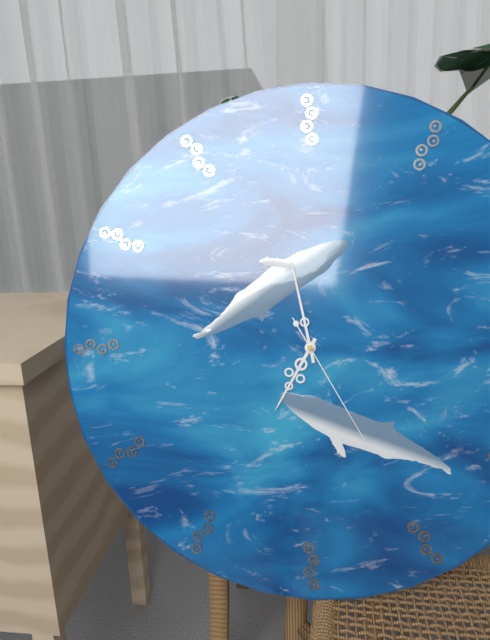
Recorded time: **6:58:25**
